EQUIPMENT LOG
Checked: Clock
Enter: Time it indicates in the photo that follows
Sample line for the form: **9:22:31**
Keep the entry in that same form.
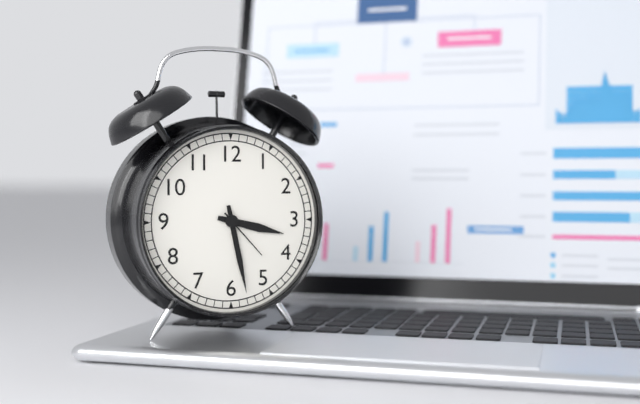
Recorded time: **3:28:23**
